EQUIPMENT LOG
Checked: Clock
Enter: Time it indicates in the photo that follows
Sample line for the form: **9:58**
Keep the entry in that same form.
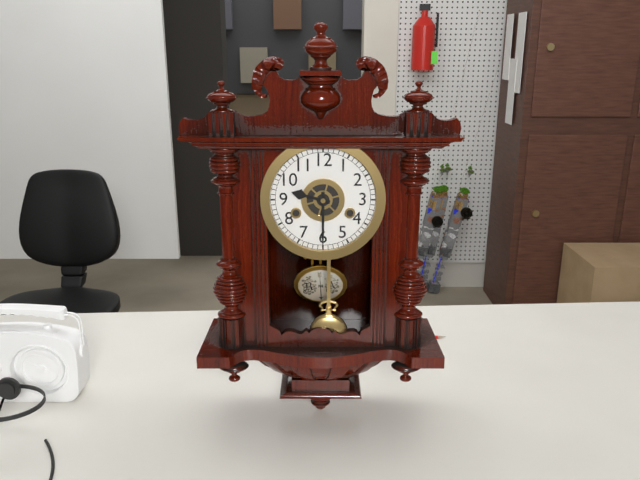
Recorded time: **9:30**
